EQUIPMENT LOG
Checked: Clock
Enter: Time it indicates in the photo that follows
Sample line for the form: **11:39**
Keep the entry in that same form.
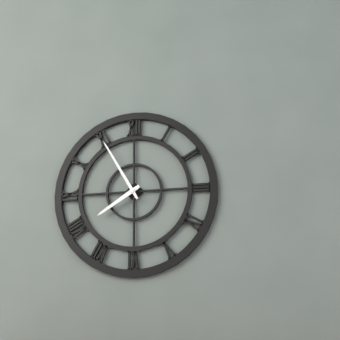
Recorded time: **7:55**
